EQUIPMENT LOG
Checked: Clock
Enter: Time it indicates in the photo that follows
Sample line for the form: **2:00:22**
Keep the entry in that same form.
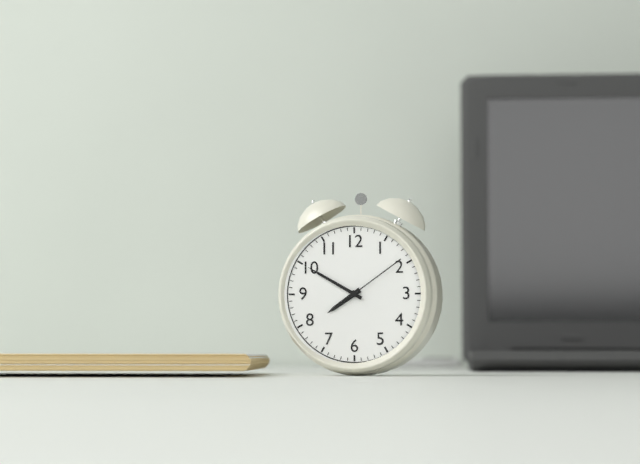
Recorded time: **7:50:09**
